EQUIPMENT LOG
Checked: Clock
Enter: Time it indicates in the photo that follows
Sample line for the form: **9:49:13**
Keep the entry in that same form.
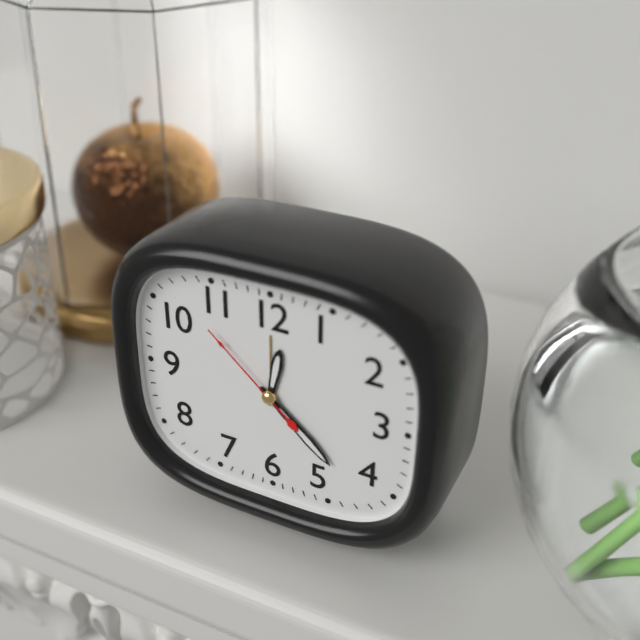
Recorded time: **12:22:52**
